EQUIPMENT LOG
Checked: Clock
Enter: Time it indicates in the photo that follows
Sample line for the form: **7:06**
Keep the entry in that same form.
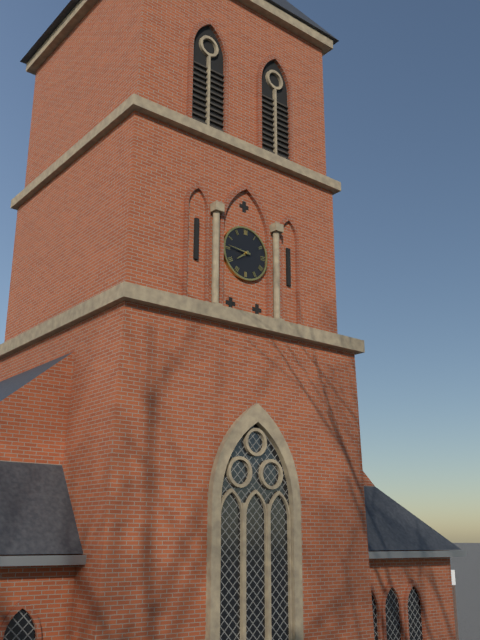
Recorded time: **7:46**
